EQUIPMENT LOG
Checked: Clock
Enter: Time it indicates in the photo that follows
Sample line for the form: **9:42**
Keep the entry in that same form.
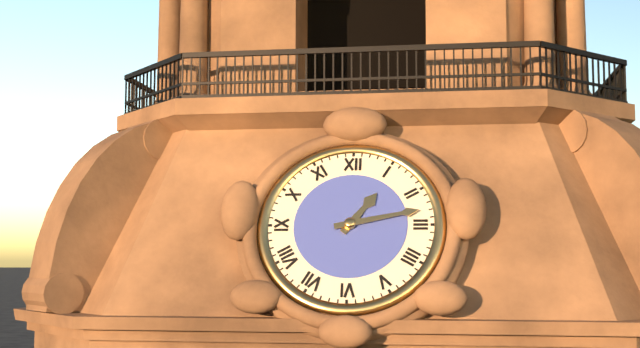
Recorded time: **1:13**
